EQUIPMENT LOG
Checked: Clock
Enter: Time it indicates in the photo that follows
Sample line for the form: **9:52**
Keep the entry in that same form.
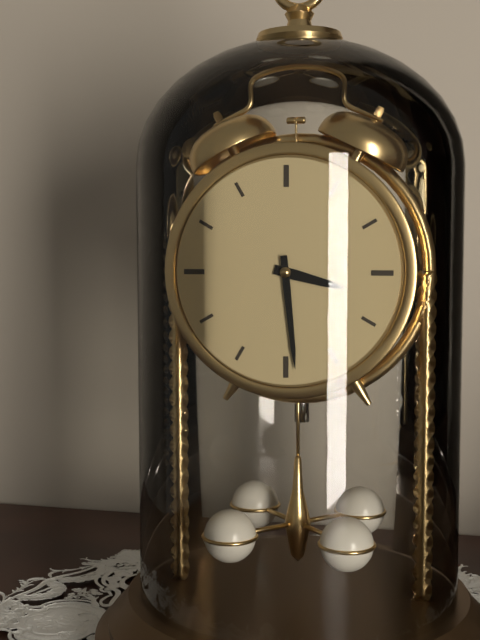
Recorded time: **3:29**
